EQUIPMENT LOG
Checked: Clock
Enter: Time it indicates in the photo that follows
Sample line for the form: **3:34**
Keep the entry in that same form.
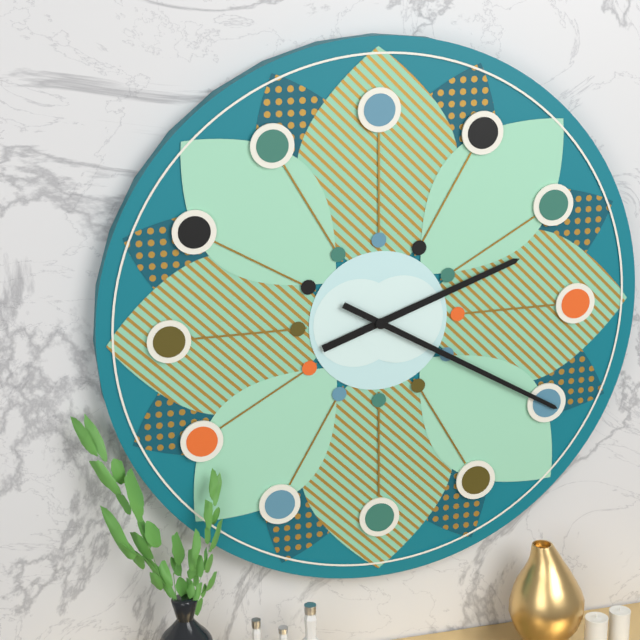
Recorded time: **2:20**
